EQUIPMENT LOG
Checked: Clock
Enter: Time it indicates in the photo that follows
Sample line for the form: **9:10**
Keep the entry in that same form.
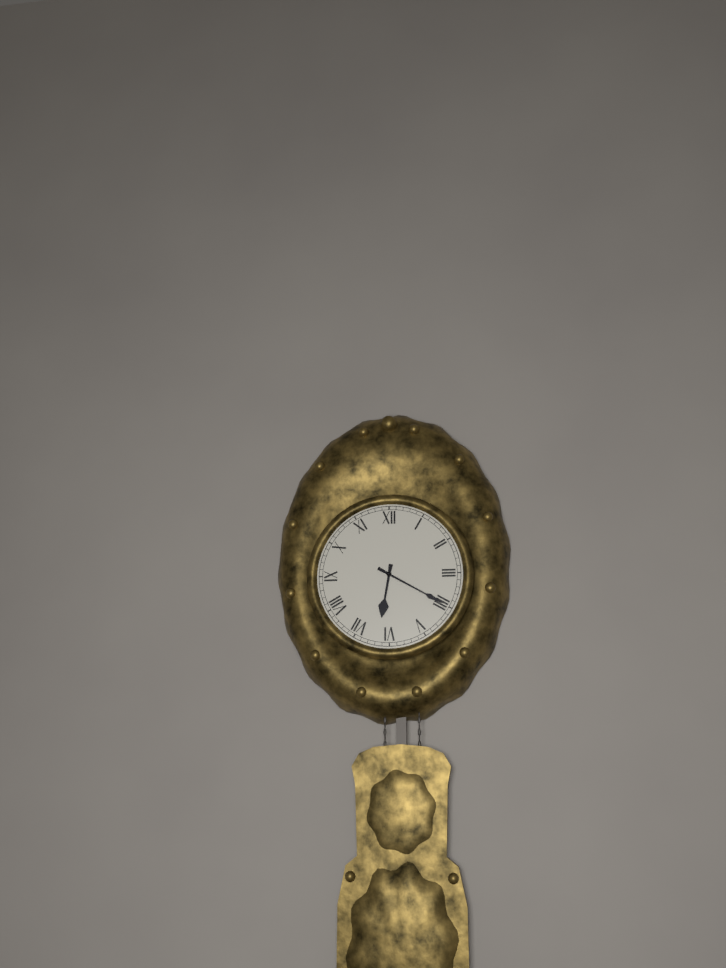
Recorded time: **6:20**
